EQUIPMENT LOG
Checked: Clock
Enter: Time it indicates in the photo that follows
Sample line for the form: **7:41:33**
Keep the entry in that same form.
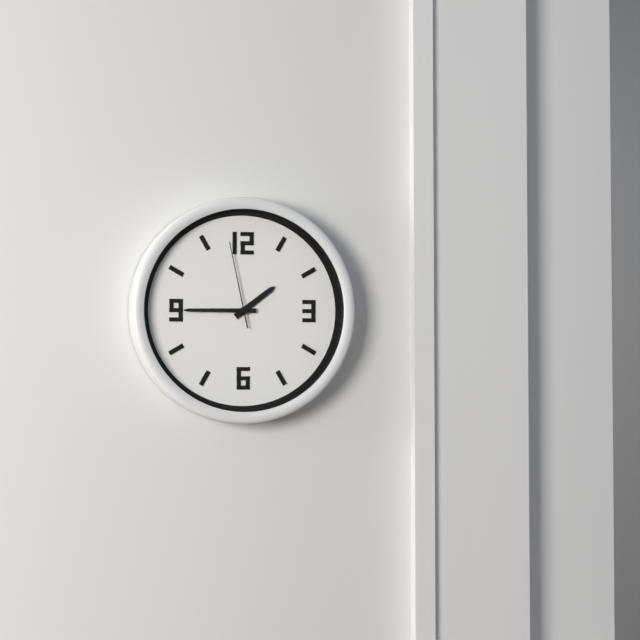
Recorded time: **1:45:58**
